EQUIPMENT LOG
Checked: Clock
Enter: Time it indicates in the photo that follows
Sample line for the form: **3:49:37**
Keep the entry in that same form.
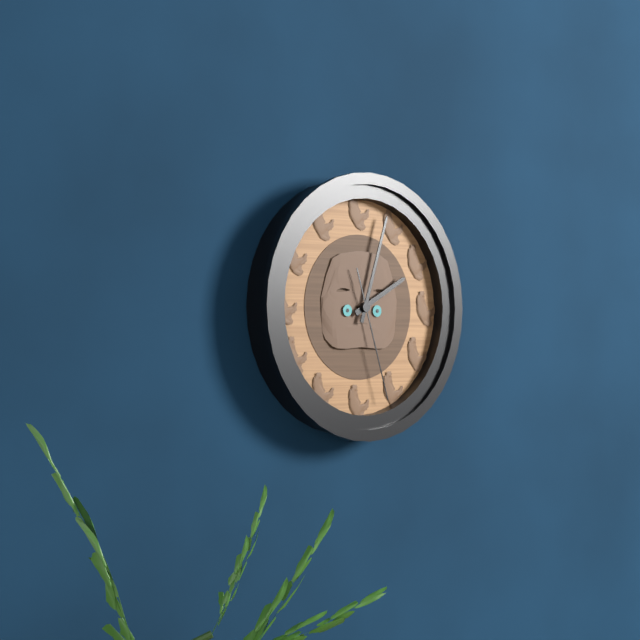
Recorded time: **2:03:27**
